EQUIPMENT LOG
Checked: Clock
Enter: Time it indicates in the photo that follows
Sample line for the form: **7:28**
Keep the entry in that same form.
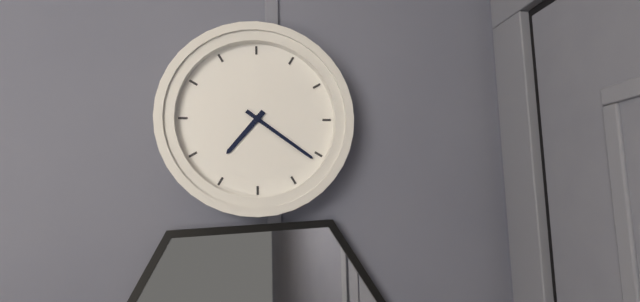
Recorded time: **7:21**
